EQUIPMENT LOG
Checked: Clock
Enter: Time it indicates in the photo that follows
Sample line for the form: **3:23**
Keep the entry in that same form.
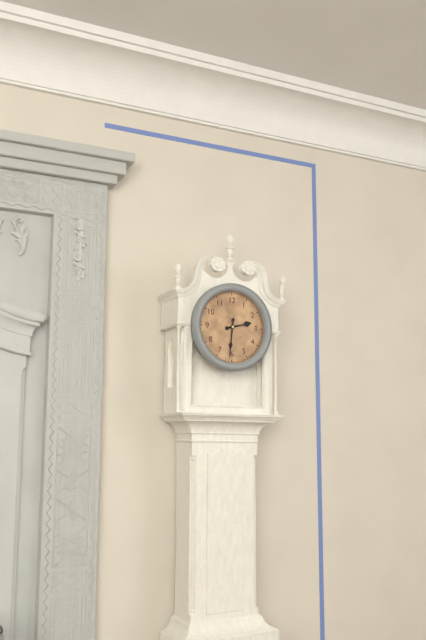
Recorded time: **2:31**
